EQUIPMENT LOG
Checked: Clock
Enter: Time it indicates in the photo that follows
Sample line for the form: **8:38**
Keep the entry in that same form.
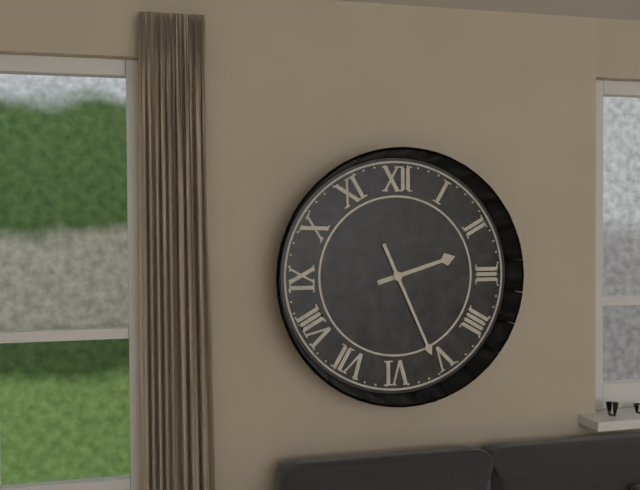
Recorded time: **2:26**
